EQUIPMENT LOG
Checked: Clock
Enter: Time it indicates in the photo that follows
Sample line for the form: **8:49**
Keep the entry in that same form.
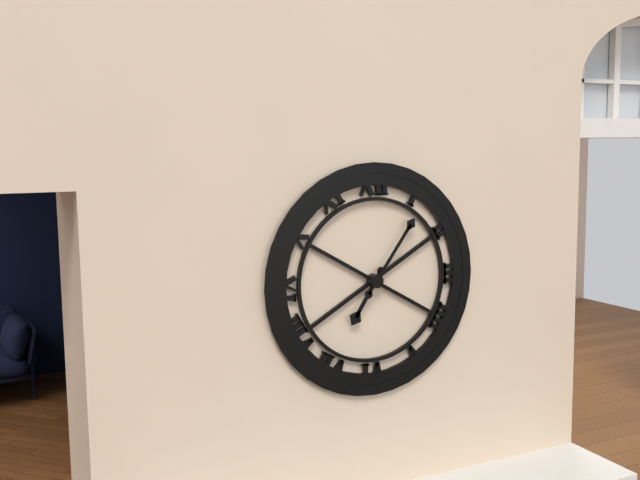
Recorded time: **7:06**
